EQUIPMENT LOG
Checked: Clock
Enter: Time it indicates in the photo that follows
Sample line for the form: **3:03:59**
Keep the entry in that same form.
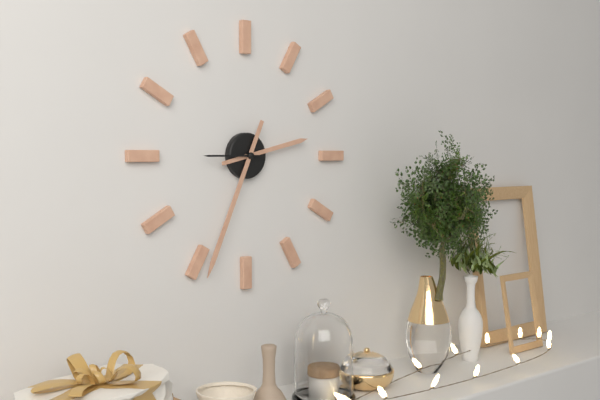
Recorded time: **2:34:45**
